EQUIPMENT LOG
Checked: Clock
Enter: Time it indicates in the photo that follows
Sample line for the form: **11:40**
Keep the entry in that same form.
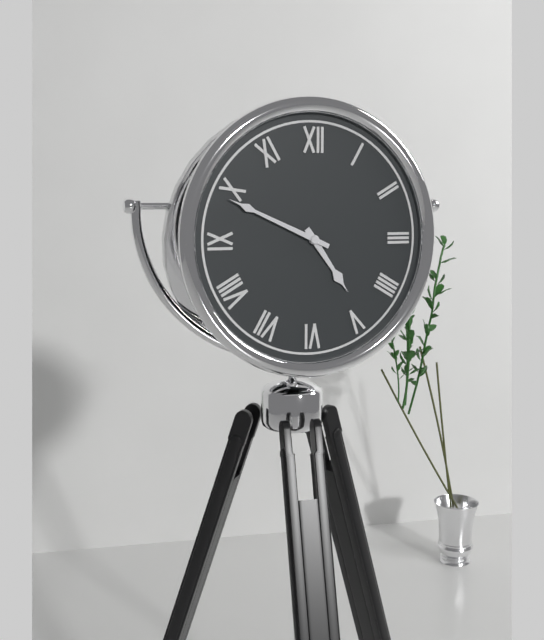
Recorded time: **4:49**
